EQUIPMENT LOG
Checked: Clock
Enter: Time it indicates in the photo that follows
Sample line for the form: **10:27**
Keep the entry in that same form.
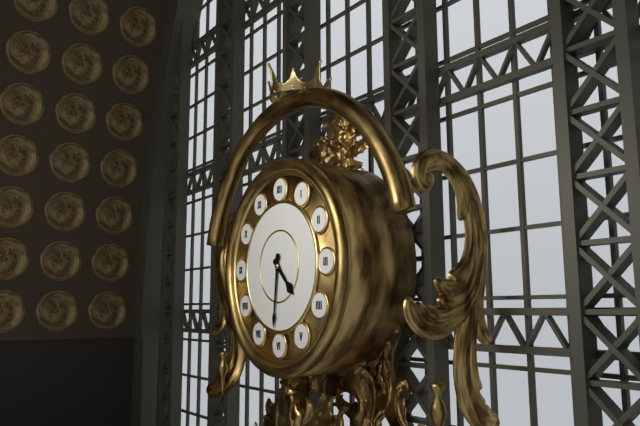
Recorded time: **4:31**
